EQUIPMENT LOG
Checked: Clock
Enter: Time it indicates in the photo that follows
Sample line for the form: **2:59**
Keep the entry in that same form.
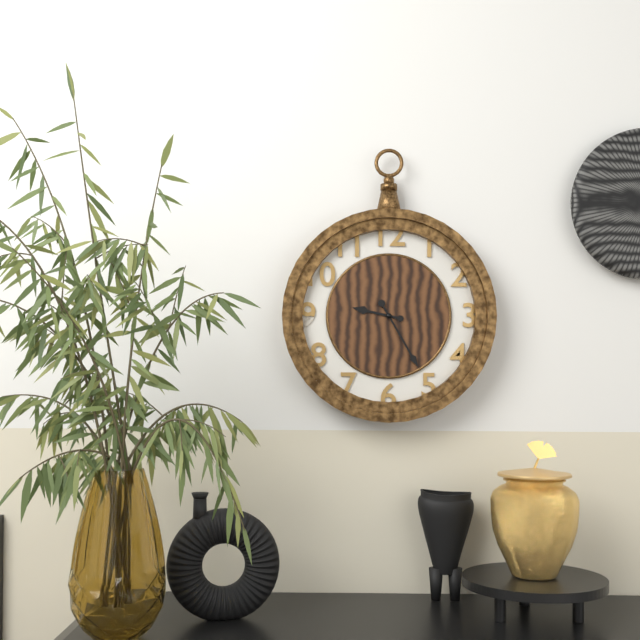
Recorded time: **9:25**
